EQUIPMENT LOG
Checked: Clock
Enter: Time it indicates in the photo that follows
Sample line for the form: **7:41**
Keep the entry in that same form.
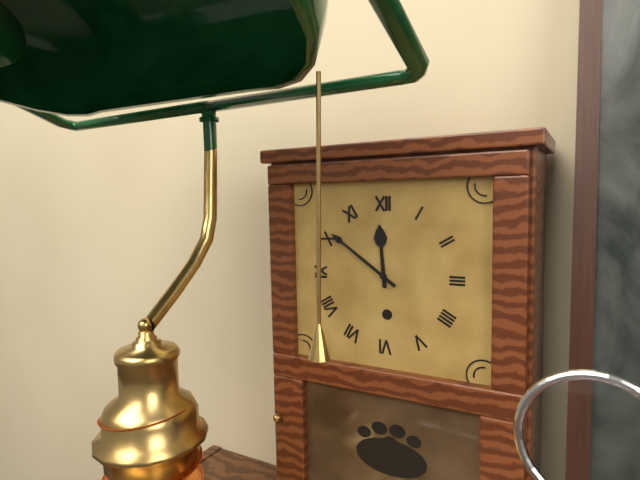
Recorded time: **11:51**
